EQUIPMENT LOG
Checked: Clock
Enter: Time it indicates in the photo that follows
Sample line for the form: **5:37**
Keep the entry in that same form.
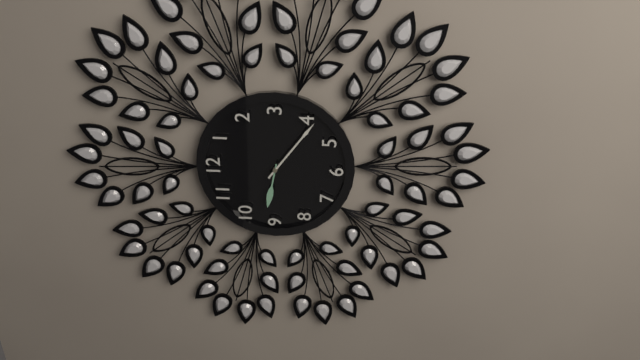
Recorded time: **9:21**
